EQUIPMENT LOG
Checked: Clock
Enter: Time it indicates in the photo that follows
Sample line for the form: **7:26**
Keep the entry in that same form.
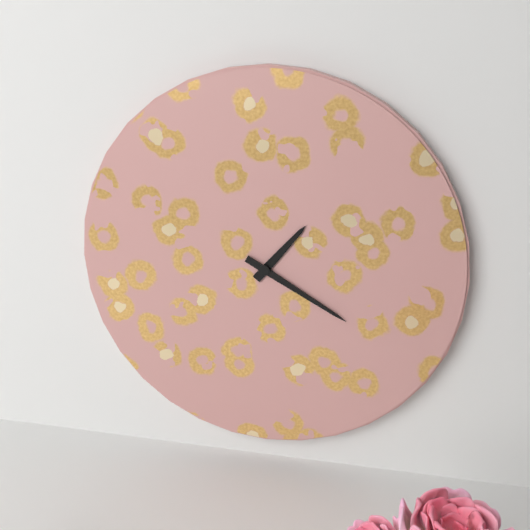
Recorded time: **1:20**
